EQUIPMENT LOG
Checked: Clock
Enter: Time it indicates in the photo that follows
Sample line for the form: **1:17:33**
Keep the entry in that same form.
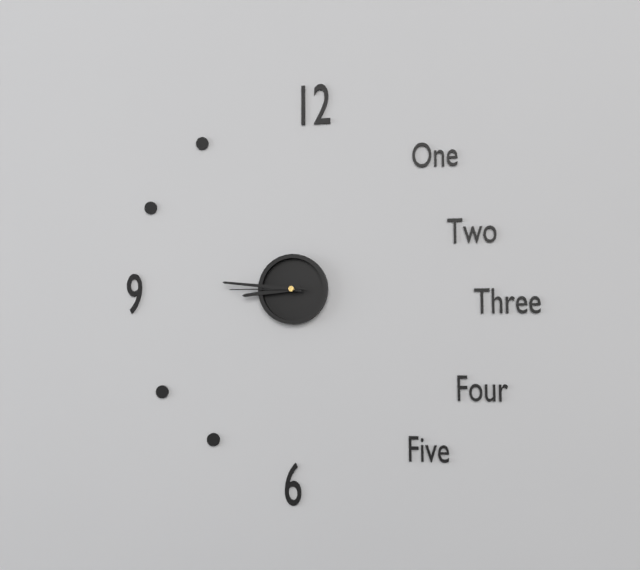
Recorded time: **8:46:45**
